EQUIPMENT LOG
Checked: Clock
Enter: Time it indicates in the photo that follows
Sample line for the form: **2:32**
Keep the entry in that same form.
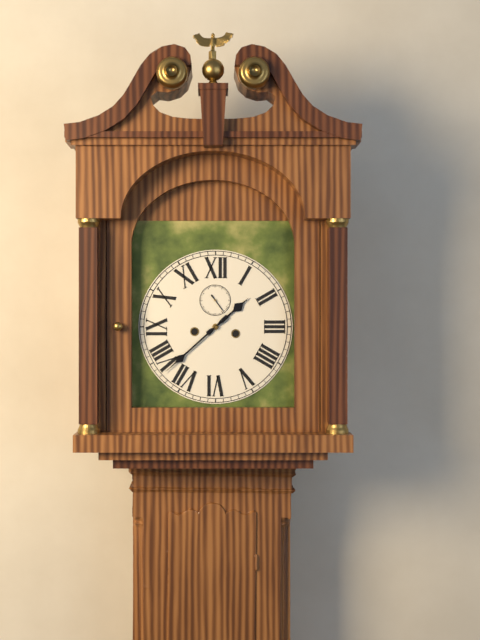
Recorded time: **1:38**
